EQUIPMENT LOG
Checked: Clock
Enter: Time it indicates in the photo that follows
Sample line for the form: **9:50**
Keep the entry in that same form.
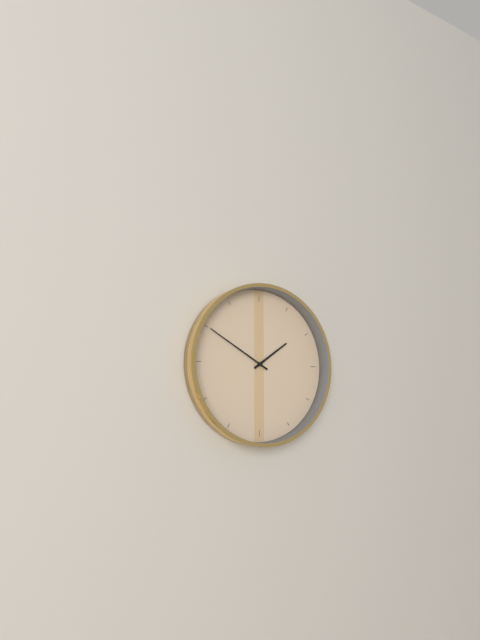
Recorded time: **1:50**
